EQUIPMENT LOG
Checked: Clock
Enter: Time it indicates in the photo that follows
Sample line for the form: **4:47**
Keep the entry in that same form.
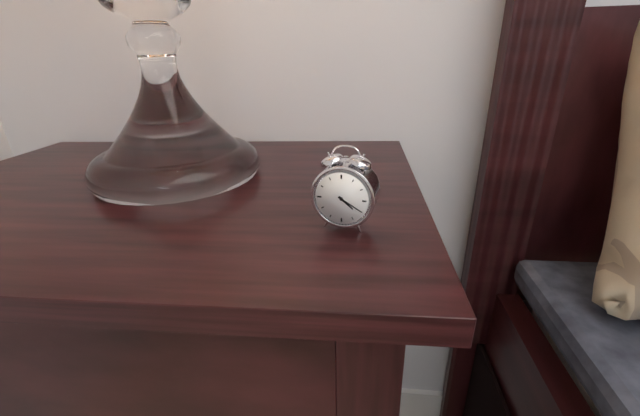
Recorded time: **4:20**
